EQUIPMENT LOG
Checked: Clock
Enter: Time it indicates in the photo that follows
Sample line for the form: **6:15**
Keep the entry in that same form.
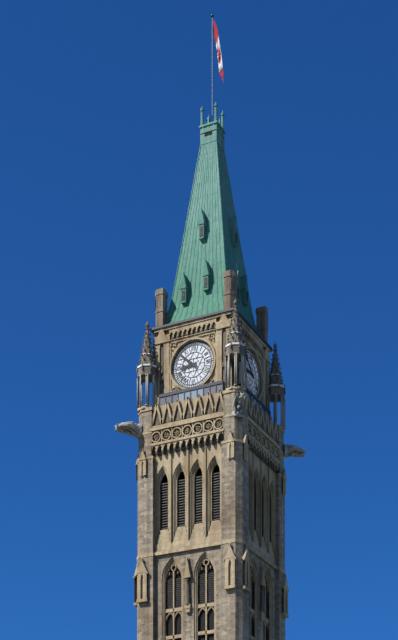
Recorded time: **8:52**
